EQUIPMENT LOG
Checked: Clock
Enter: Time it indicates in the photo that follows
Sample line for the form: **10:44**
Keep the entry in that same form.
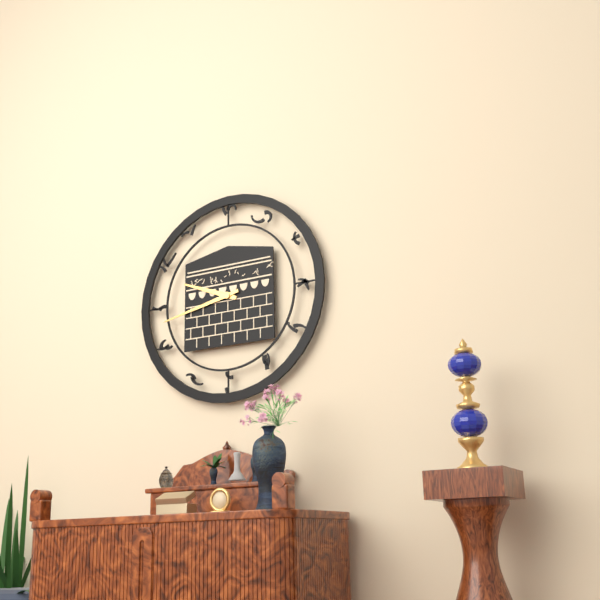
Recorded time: **9:43**
